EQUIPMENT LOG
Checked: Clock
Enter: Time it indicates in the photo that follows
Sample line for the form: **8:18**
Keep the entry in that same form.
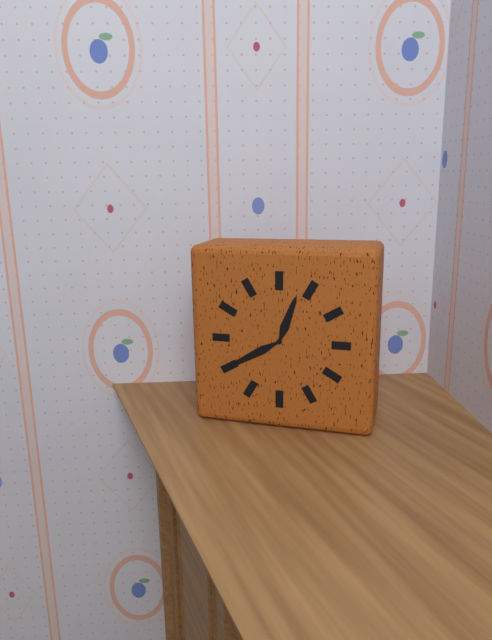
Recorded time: **12:40**
